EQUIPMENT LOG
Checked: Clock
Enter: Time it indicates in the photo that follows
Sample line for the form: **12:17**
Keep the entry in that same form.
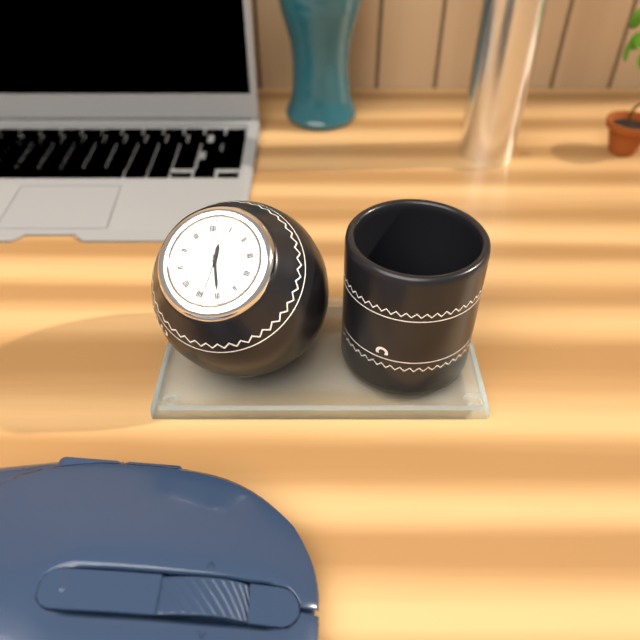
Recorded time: **12:30**
